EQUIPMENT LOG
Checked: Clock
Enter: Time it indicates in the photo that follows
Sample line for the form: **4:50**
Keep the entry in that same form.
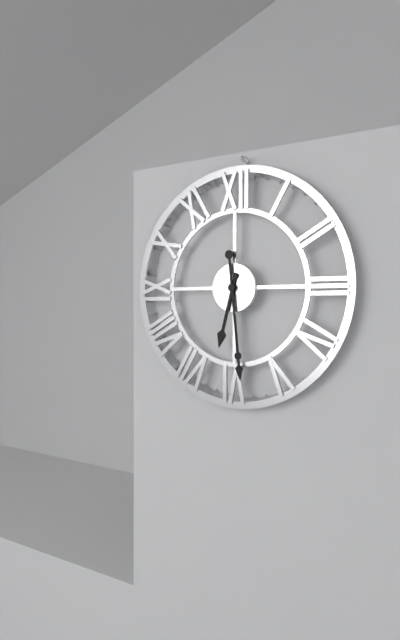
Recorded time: **6:29**
